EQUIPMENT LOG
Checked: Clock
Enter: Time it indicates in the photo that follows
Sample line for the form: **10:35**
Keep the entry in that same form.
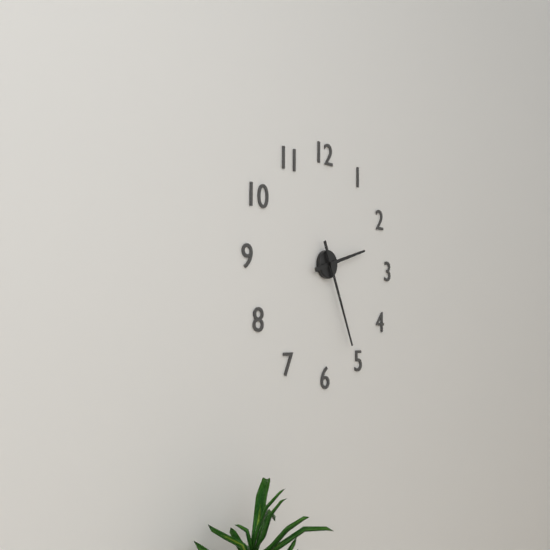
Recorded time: **2:26**
